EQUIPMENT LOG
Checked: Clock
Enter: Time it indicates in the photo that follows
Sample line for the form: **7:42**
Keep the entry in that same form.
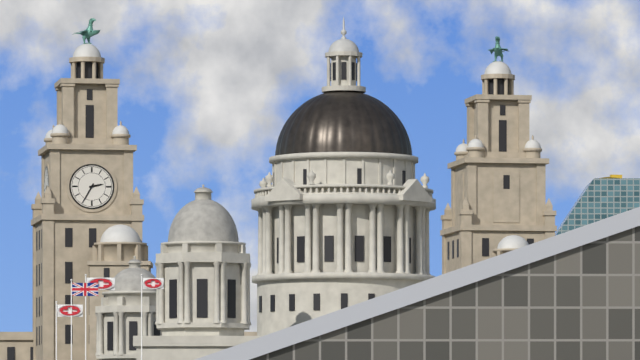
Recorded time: **2:35**
